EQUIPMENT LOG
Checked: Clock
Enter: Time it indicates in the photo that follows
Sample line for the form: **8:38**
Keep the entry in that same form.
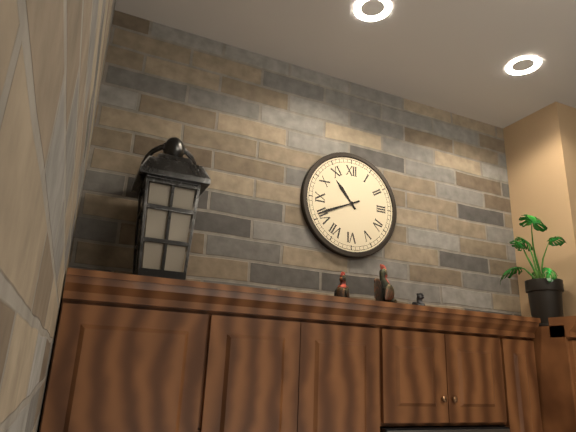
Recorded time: **10:41**
